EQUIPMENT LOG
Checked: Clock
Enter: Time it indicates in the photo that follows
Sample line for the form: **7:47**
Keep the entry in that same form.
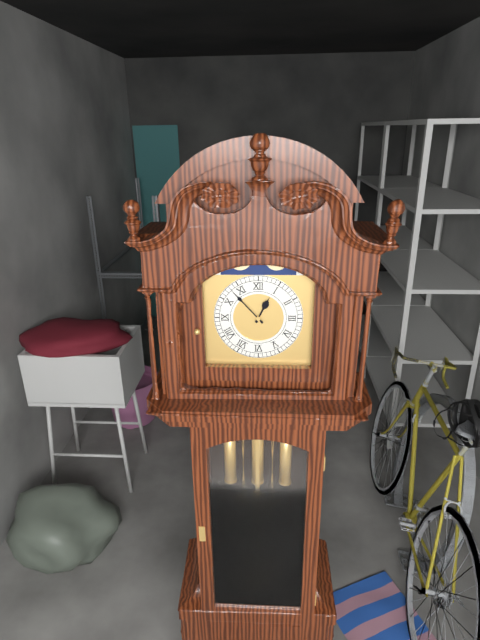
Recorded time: **12:53**
